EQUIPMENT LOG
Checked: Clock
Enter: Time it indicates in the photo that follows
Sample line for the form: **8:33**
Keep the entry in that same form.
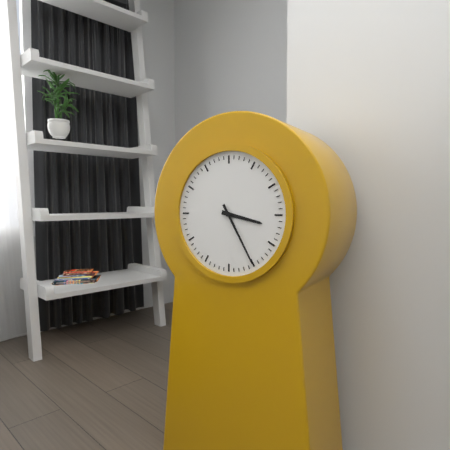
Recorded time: **3:25**
